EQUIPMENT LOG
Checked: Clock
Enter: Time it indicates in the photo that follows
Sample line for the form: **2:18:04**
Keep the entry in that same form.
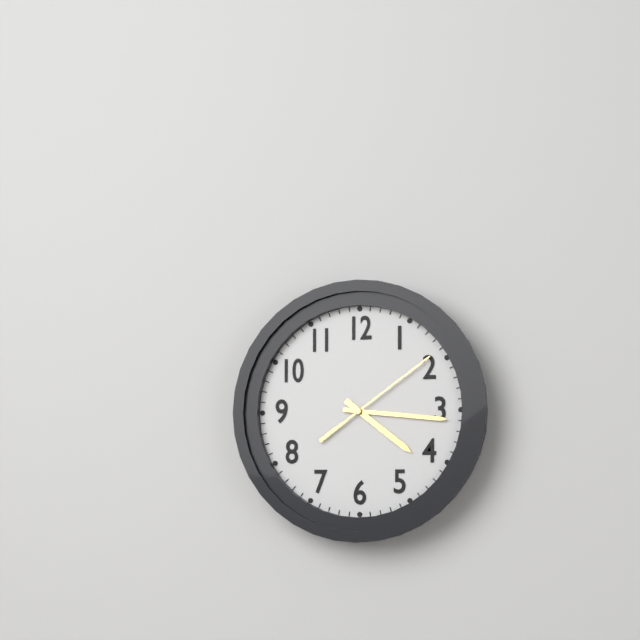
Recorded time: **4:16:09**
